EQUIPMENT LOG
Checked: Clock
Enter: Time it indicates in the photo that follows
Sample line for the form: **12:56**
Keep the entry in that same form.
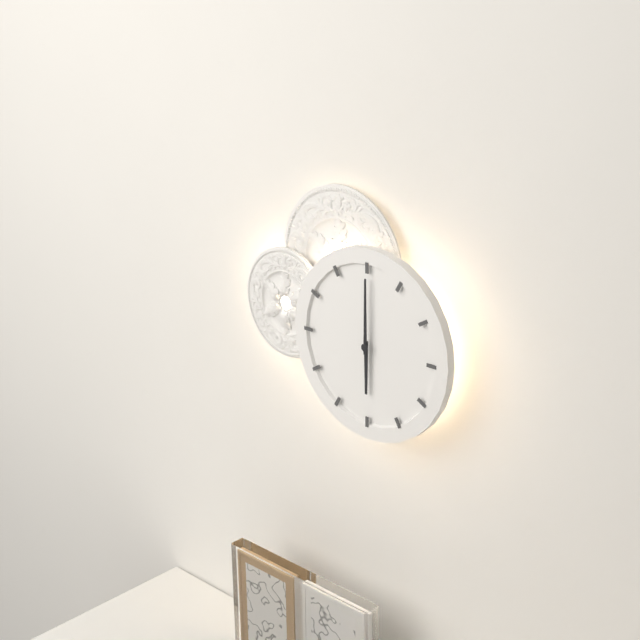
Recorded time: **6:00**
